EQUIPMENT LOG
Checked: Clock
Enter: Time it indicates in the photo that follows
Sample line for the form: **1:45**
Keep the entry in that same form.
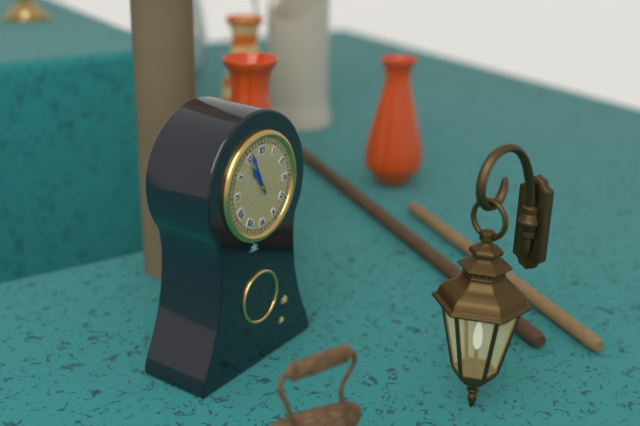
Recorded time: **10:56**
